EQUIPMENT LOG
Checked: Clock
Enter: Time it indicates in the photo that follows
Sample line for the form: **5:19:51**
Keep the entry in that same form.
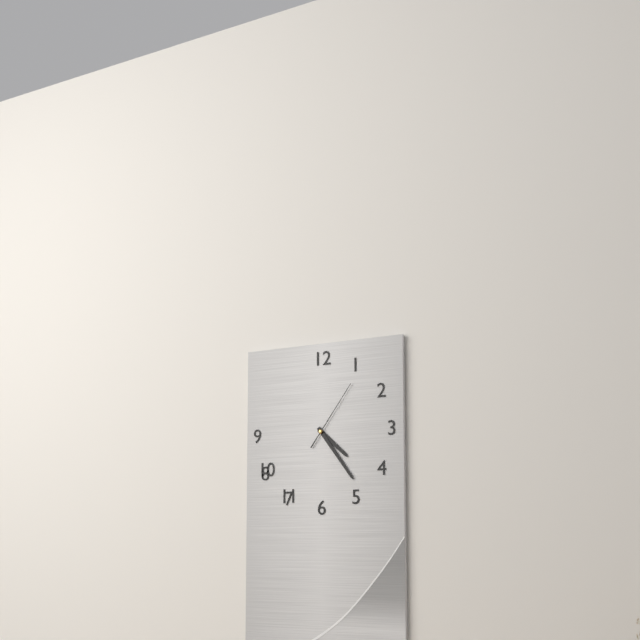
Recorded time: **4:24:06**
